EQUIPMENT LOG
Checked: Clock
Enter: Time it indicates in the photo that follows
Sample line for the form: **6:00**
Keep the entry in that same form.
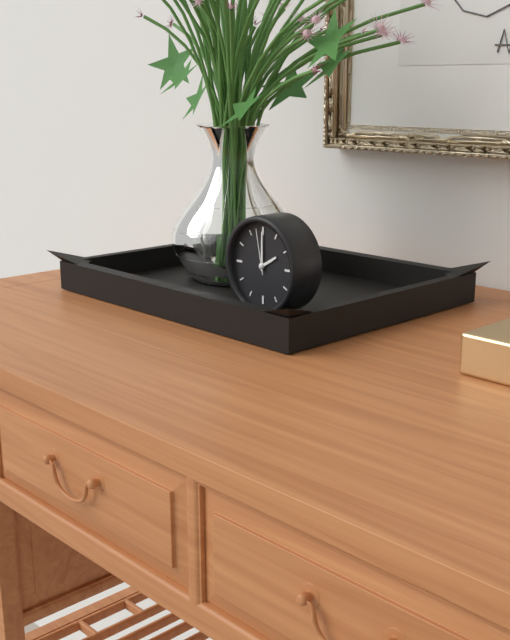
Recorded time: **2:00**
